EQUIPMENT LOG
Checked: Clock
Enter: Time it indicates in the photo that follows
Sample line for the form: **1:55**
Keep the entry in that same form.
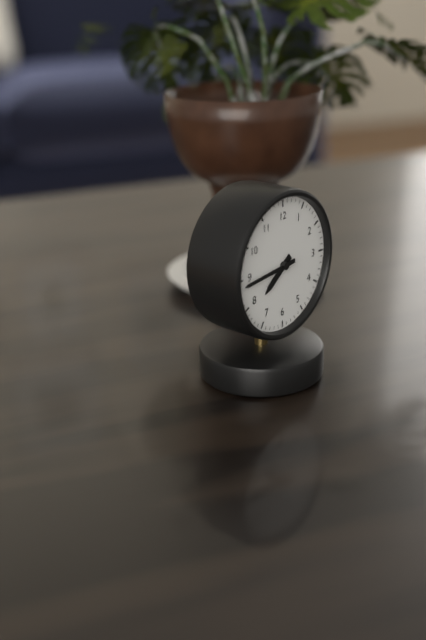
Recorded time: **7:44**
